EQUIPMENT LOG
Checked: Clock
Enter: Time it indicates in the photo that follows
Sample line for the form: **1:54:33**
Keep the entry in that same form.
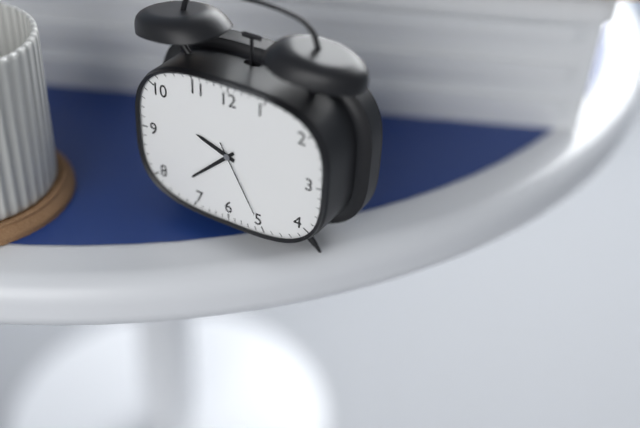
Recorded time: **9:38:25**
